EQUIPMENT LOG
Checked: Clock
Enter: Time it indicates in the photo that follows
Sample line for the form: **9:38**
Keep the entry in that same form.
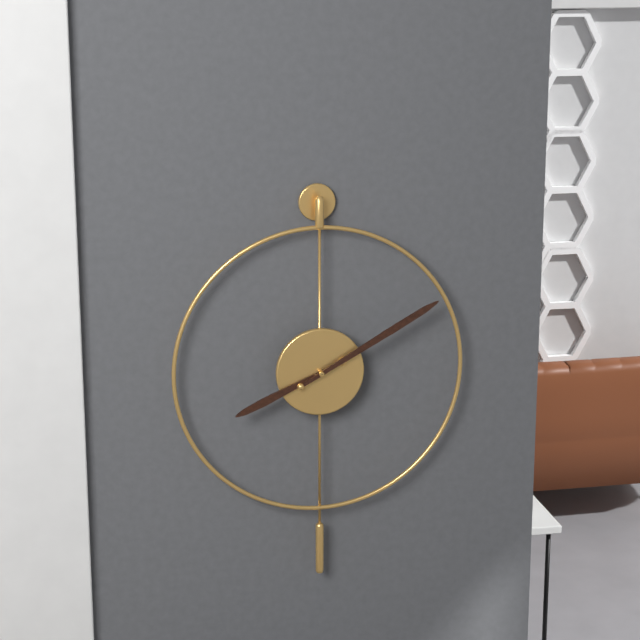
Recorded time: **8:10**
